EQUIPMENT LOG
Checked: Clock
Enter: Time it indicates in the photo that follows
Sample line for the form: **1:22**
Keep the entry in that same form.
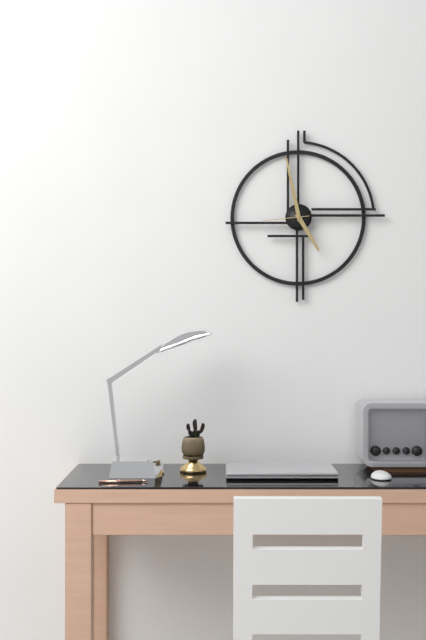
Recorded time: **4:58**
